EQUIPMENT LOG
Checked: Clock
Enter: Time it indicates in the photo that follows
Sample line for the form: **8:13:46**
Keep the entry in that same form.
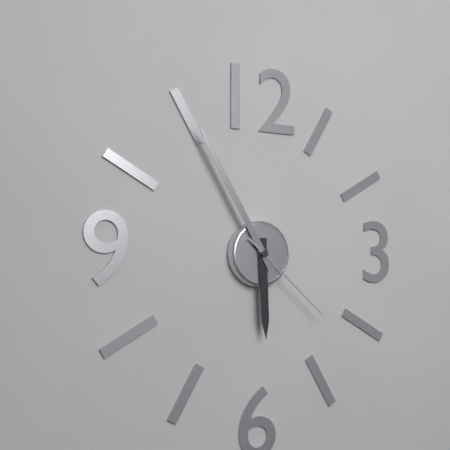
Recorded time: **5:55:22**
